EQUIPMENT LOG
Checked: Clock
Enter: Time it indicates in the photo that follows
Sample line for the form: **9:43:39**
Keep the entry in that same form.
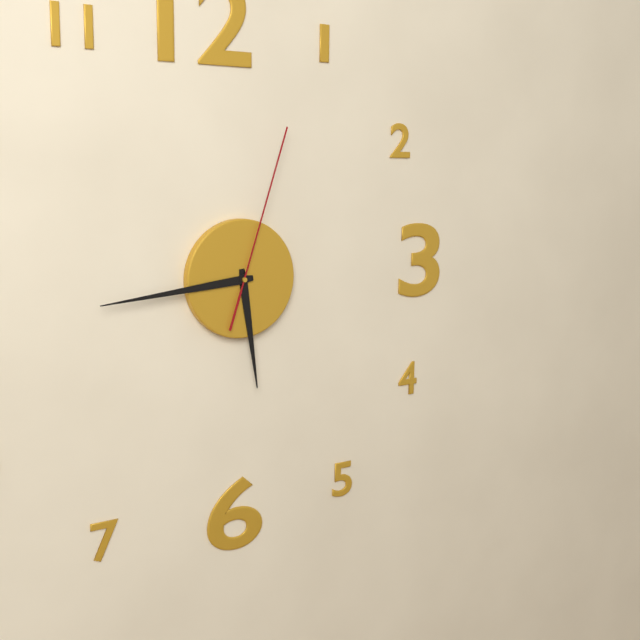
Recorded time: **5:44:03**
